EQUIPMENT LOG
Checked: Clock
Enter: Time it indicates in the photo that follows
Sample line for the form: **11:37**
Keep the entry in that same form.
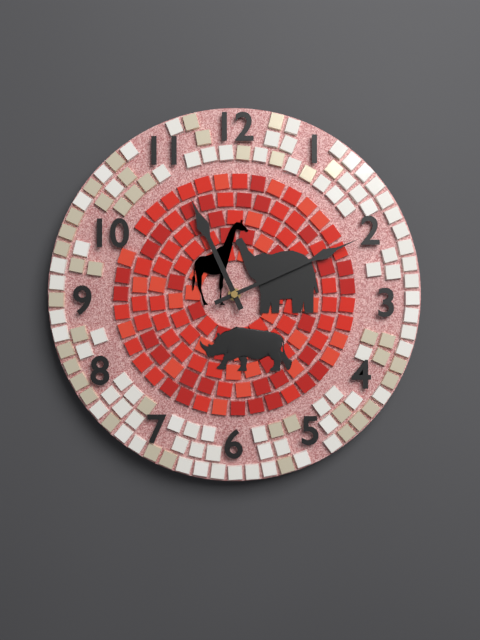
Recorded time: **11:11**
